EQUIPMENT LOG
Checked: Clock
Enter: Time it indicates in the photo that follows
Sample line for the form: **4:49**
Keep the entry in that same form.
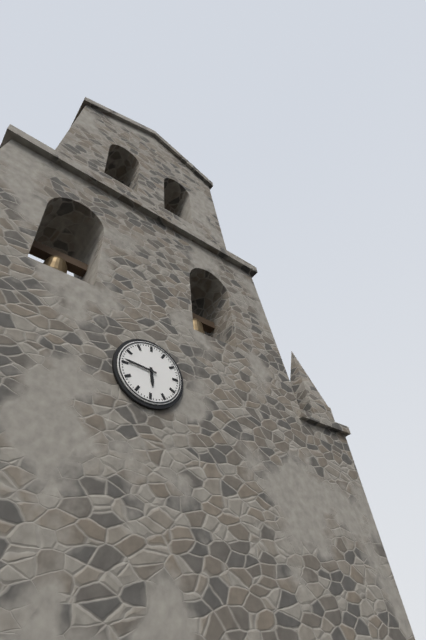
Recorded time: **5:46**
